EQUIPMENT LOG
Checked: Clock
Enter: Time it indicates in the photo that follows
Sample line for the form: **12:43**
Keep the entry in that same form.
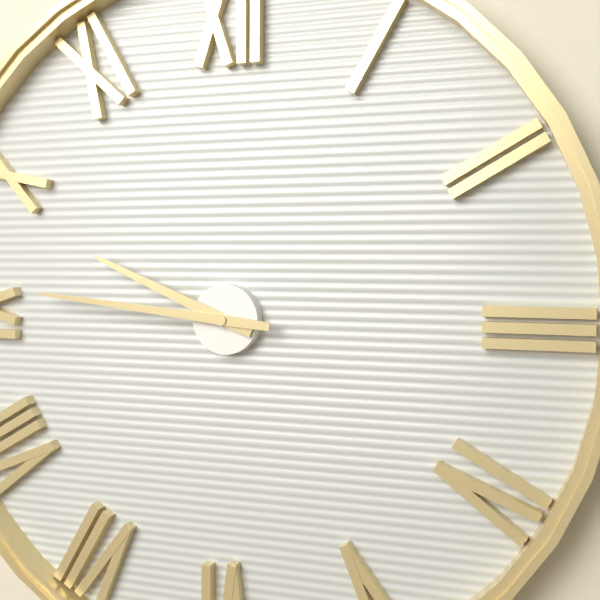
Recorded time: **9:46**
